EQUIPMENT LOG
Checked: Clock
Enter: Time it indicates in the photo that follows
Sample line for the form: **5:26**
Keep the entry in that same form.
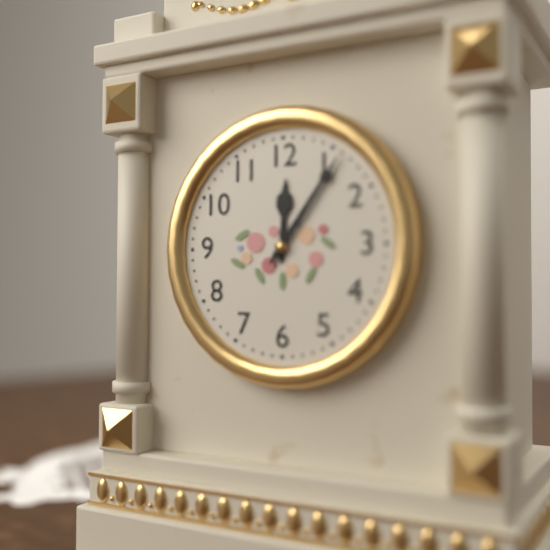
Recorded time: **12:06**
